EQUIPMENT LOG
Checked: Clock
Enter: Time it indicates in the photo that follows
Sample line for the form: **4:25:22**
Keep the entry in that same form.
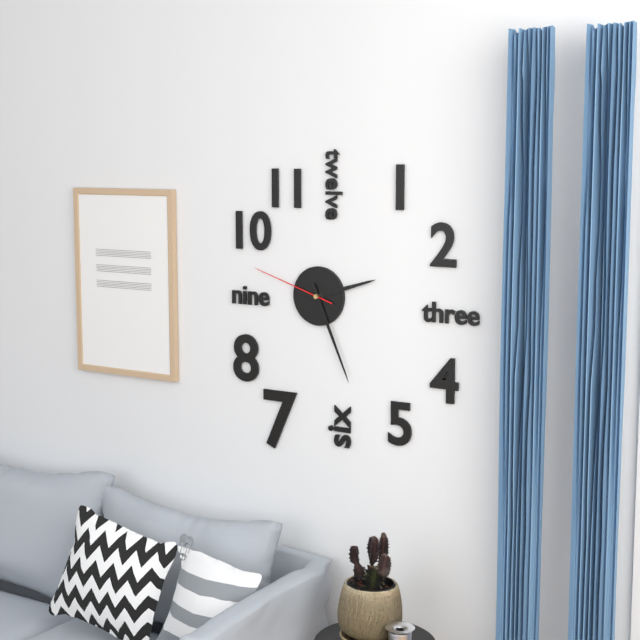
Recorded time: **2:26:48**
